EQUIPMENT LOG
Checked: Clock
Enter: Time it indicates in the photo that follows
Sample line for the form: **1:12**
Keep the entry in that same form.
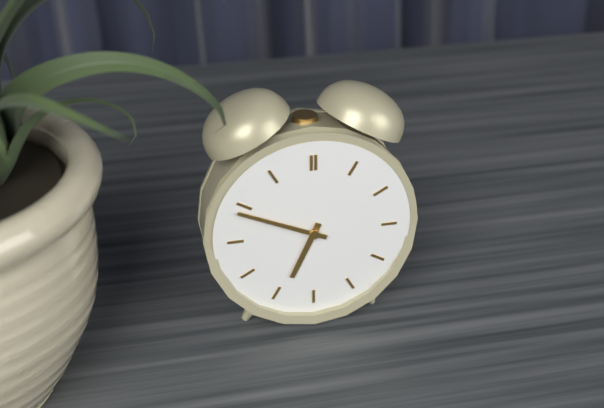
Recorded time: **6:49**
